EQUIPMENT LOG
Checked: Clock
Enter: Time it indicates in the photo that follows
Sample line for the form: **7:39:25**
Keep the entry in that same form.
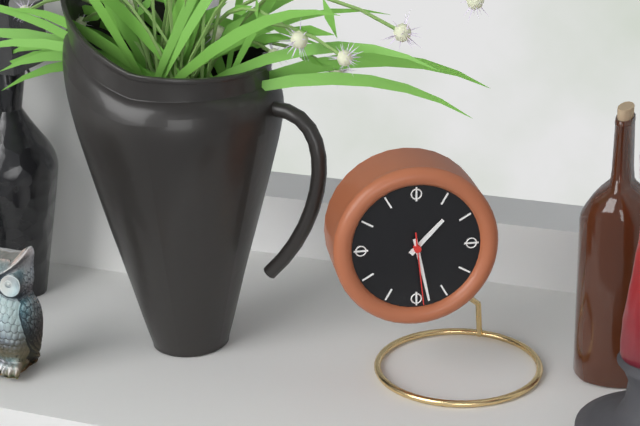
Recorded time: **1:28:29**
